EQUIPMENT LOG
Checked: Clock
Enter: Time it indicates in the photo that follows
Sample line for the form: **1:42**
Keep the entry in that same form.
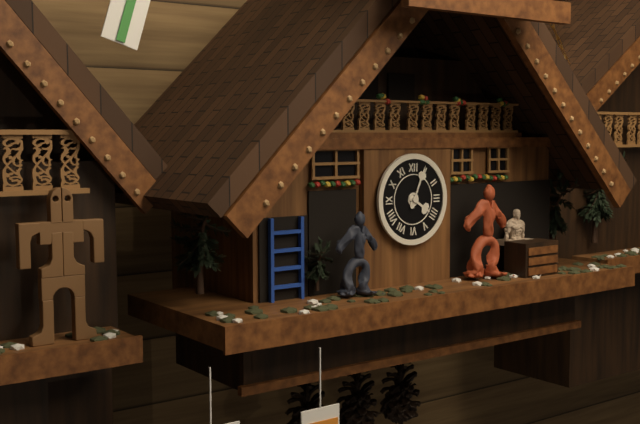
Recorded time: **4:04**
